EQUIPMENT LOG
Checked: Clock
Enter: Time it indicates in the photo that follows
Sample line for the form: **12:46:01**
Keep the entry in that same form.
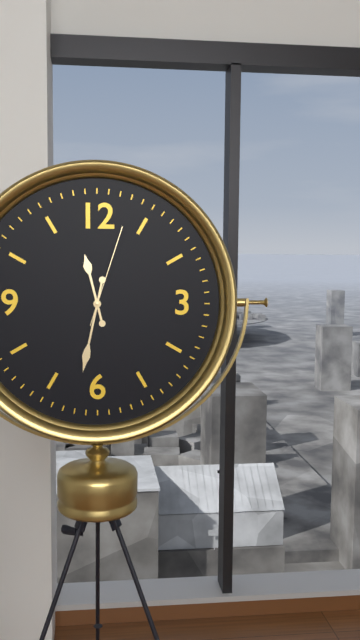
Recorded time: **11:32:03**
